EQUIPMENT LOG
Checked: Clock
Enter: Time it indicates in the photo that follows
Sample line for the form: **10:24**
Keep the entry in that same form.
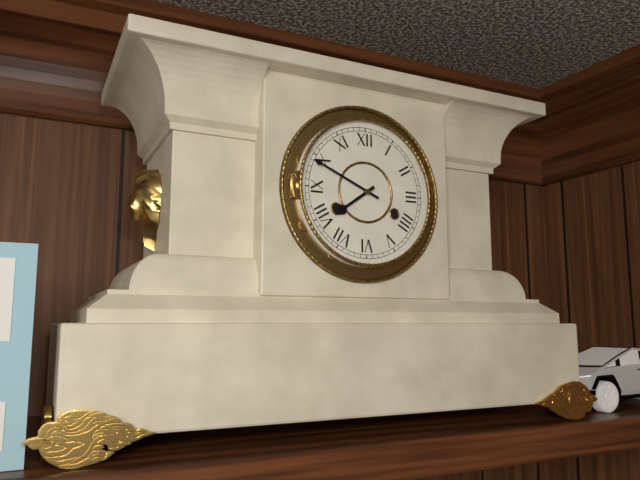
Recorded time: **7:49**
